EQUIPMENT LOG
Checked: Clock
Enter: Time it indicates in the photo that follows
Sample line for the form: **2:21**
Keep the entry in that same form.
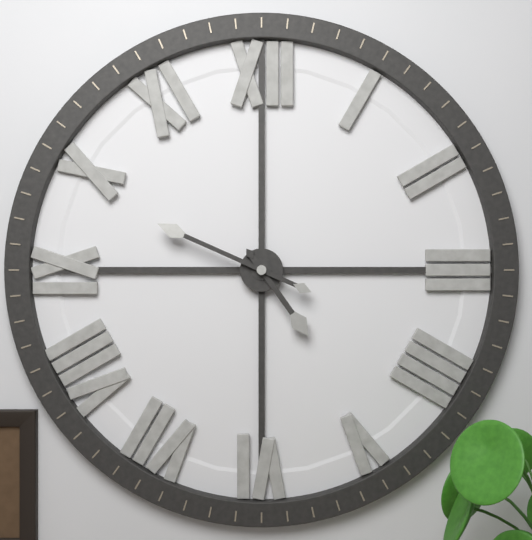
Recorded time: **4:49**
